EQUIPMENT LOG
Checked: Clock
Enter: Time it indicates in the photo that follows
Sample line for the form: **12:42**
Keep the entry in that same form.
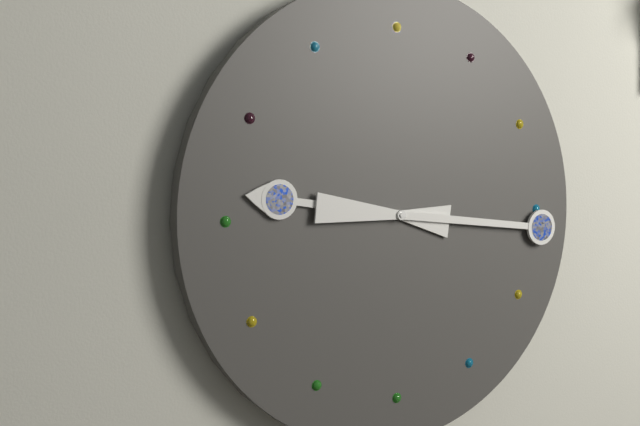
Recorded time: **9:16**
